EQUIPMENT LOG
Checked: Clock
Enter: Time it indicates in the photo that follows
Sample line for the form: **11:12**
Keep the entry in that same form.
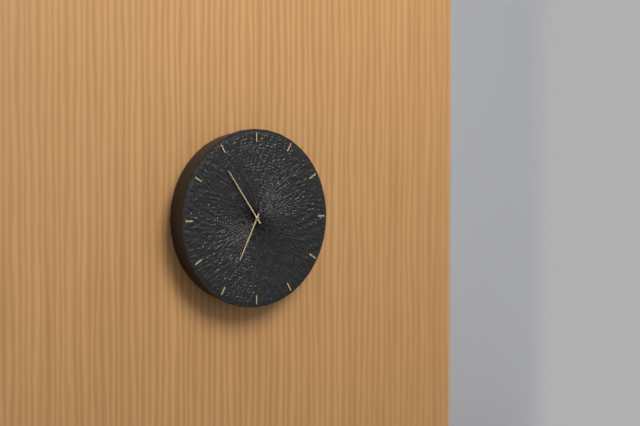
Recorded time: **6:54**
